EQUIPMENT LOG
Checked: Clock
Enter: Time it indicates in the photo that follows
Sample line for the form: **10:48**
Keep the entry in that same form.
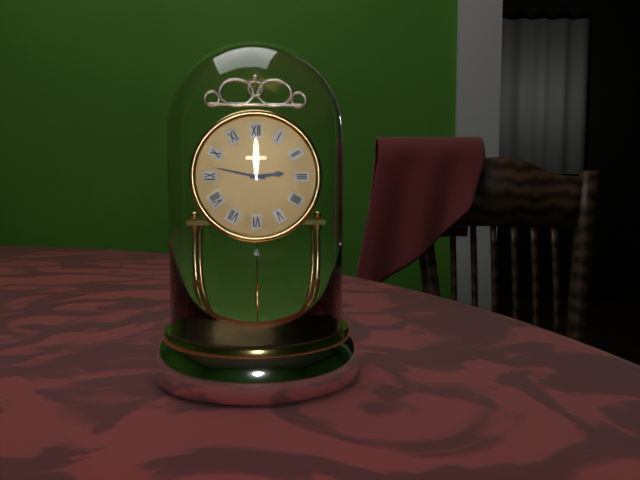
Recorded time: **2:47**
